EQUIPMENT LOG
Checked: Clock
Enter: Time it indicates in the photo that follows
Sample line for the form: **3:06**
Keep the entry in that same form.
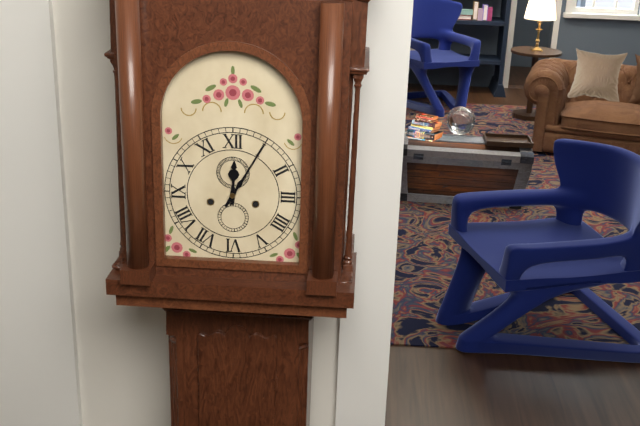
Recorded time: **12:05**
